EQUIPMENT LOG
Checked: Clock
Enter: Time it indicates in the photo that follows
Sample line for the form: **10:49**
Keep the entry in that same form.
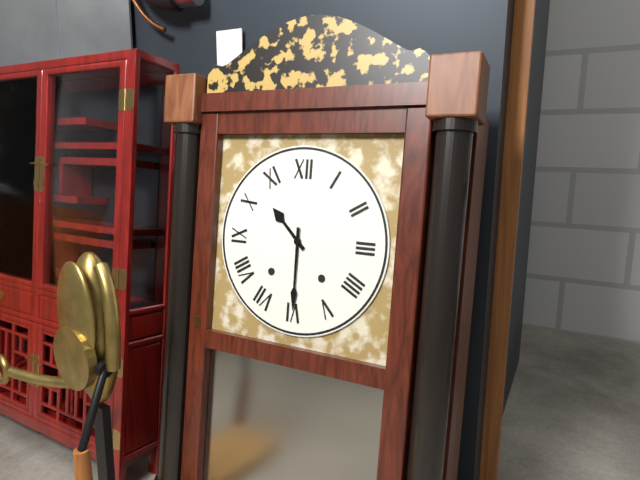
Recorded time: **10:30**
